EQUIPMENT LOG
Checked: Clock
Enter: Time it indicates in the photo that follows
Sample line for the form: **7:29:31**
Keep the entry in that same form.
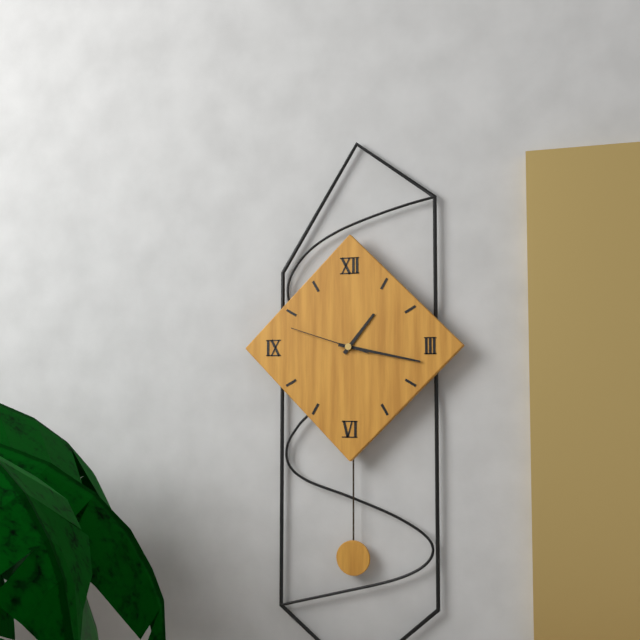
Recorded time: **1:17:48**
